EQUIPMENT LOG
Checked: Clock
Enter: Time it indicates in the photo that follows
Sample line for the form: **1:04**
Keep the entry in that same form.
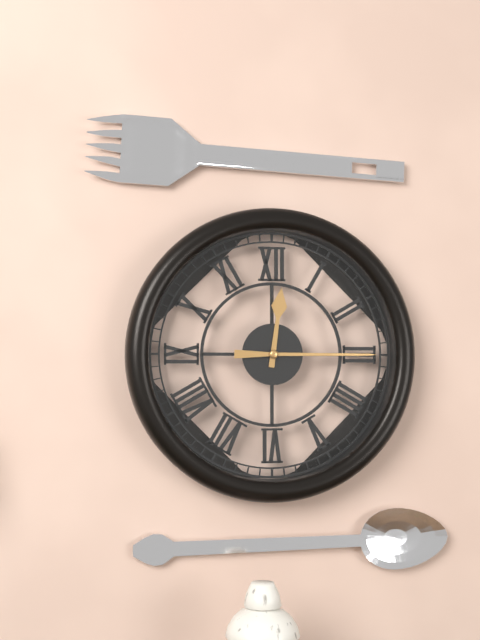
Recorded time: **12:15**
